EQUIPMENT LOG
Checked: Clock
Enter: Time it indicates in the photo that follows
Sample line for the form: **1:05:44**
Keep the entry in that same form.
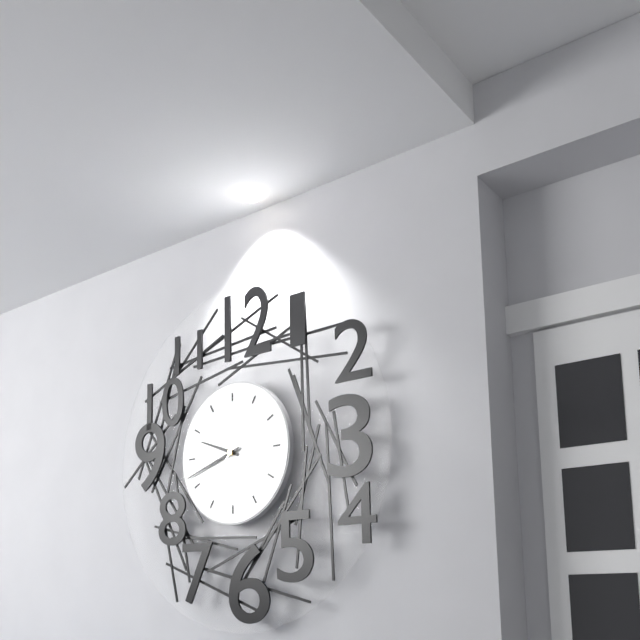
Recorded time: **9:42:07**
